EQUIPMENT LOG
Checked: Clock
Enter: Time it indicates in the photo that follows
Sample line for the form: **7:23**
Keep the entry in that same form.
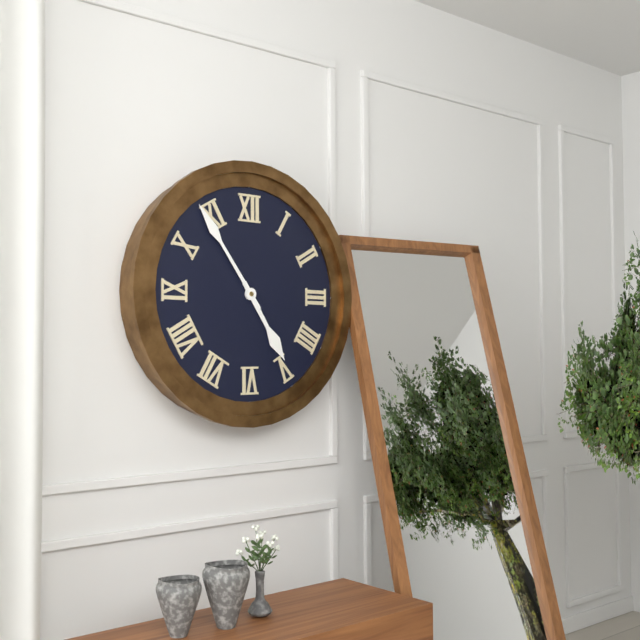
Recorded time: **4:54**
